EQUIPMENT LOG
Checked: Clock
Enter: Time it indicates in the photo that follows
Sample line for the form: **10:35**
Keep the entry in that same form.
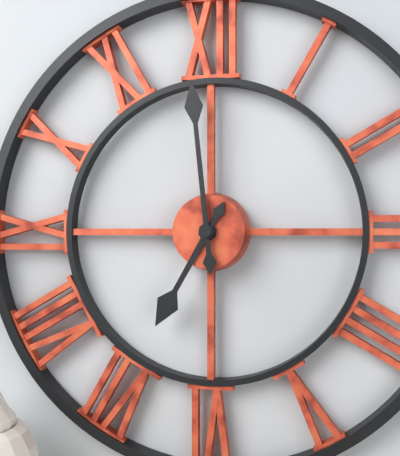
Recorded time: **6:59**
